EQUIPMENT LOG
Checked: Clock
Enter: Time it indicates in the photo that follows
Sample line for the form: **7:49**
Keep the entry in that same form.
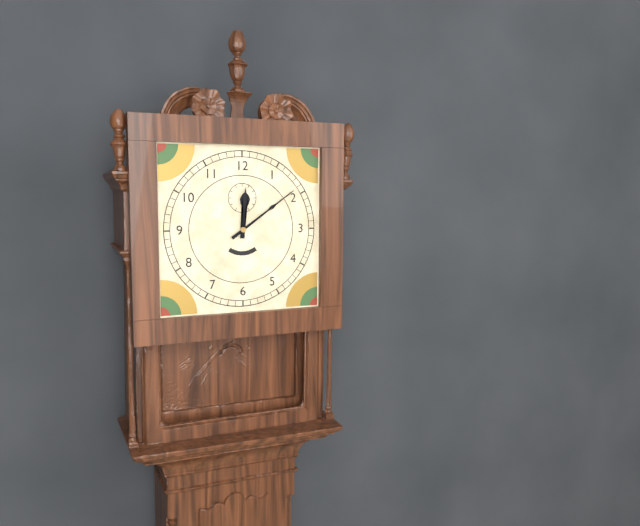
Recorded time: **12:09**
